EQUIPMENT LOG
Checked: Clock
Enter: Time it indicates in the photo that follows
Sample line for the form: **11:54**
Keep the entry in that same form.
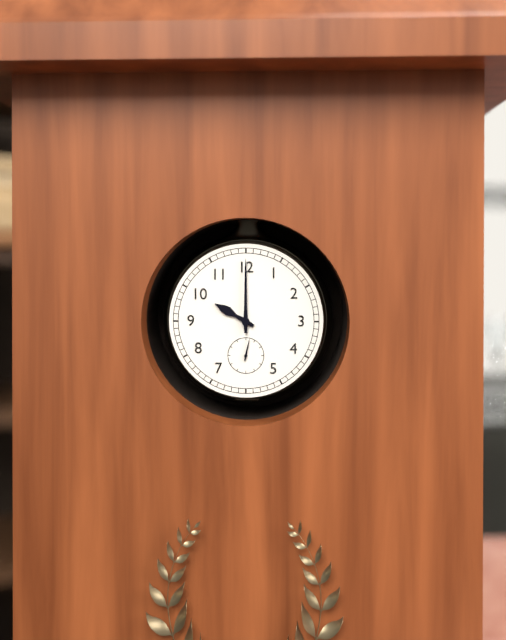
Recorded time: **10:00**
